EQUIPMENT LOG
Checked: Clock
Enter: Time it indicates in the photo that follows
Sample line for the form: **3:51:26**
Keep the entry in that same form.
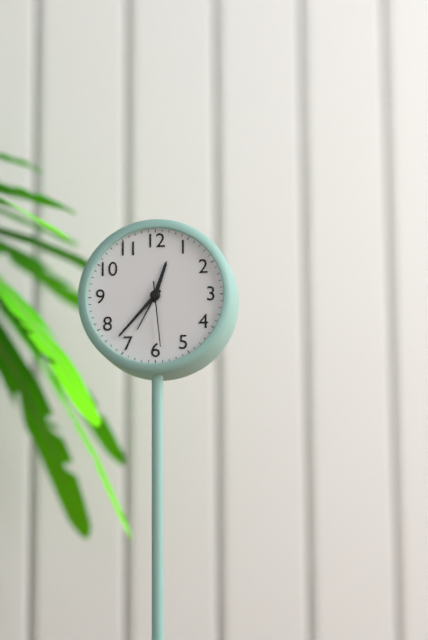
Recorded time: **12:37:29**
